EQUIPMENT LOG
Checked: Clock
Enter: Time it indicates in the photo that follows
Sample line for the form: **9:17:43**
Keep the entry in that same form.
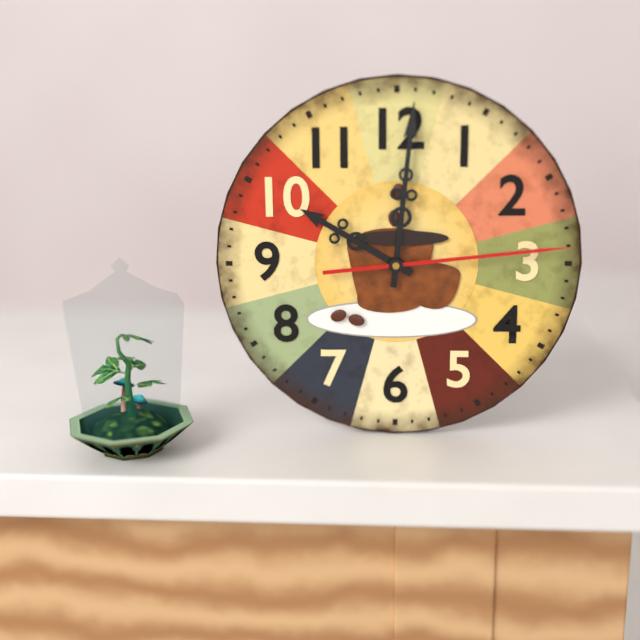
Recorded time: **10:01:14**
